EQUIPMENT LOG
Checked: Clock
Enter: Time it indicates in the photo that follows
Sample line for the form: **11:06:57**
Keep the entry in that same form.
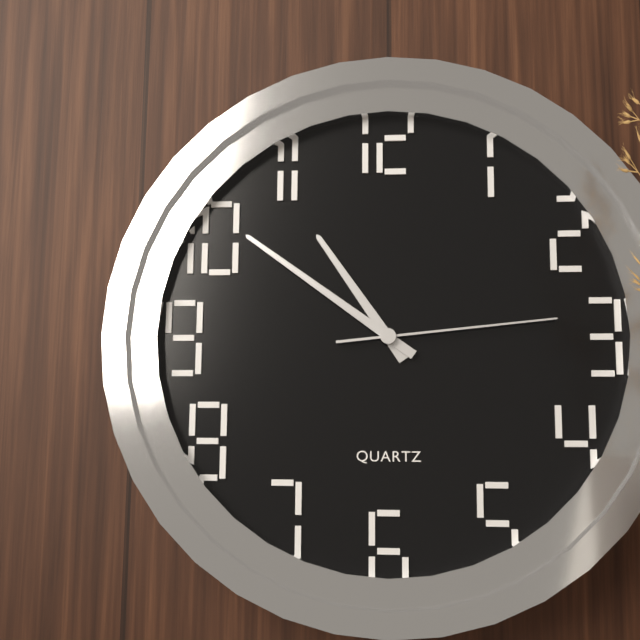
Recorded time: **10:51:14**
